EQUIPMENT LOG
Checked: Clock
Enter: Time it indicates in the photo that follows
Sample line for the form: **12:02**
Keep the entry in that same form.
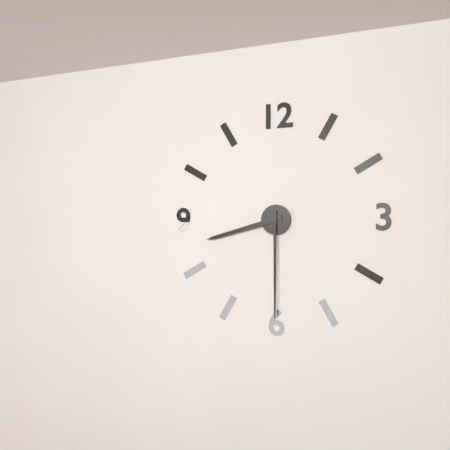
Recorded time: **8:30**
